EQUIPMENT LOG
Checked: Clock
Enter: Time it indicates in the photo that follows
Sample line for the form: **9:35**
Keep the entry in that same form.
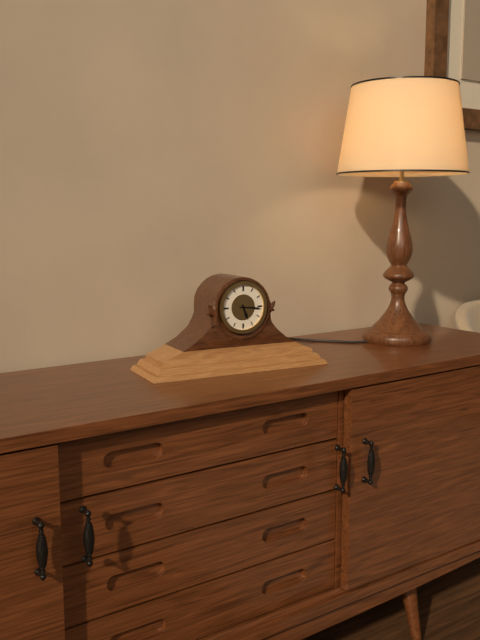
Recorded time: **5:16**
